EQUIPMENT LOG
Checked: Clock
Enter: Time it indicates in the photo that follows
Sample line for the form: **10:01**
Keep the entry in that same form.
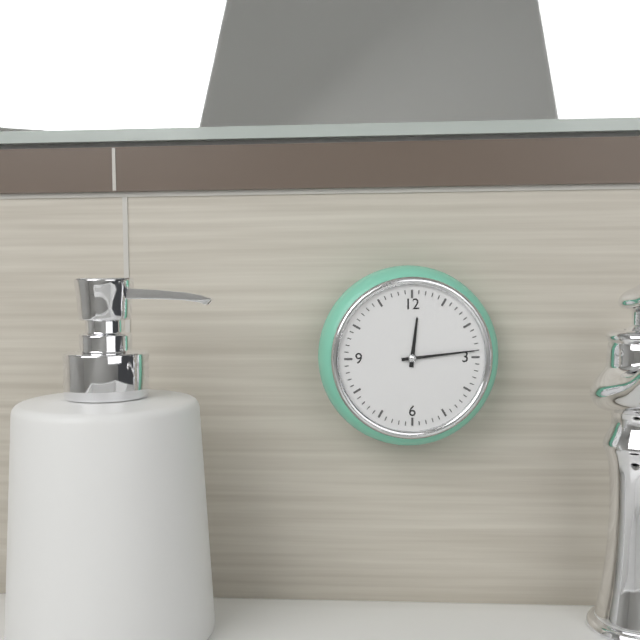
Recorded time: **12:14**
